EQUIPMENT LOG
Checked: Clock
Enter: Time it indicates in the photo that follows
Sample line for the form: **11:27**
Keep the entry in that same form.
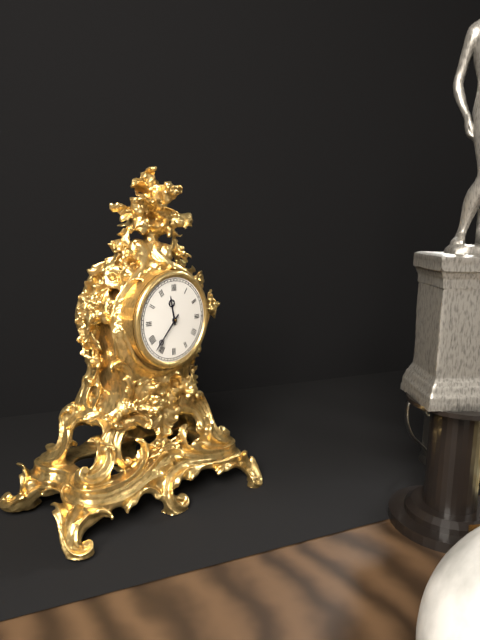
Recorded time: **11:37**
